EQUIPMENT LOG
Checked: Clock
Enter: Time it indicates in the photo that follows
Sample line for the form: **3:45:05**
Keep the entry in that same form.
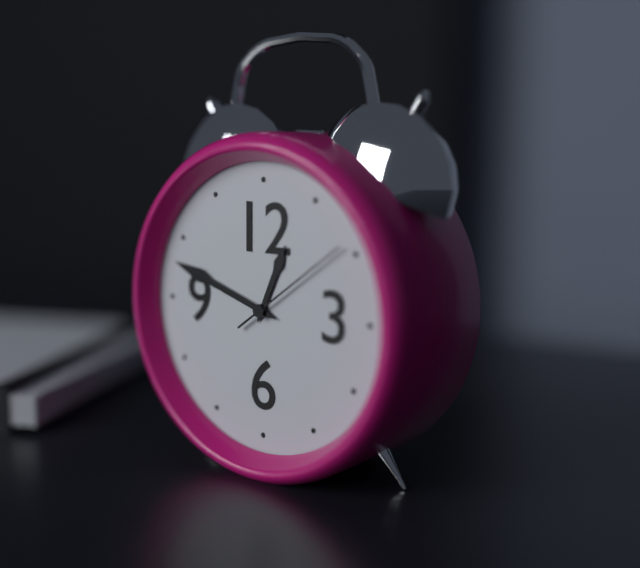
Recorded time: **12:48:09**
